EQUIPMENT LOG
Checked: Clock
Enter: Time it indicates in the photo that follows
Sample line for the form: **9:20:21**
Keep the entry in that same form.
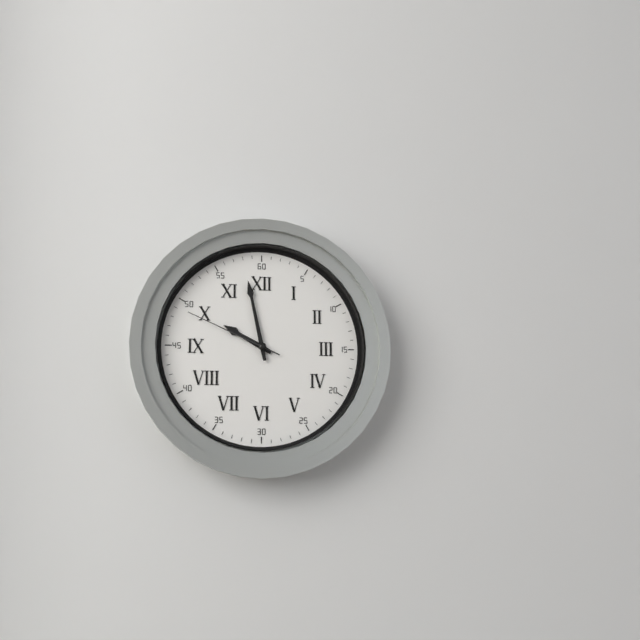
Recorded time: **9:58:49**
